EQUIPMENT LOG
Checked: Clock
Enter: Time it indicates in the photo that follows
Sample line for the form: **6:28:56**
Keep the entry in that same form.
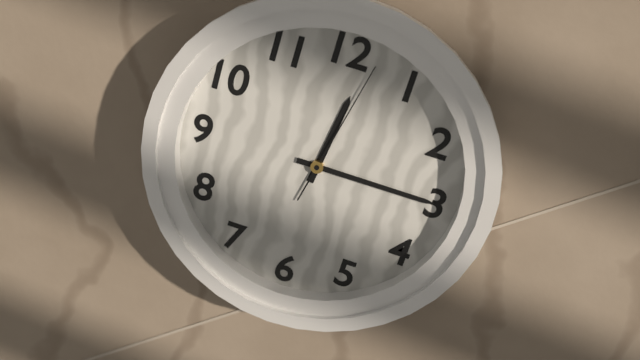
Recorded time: **12:15:02**
